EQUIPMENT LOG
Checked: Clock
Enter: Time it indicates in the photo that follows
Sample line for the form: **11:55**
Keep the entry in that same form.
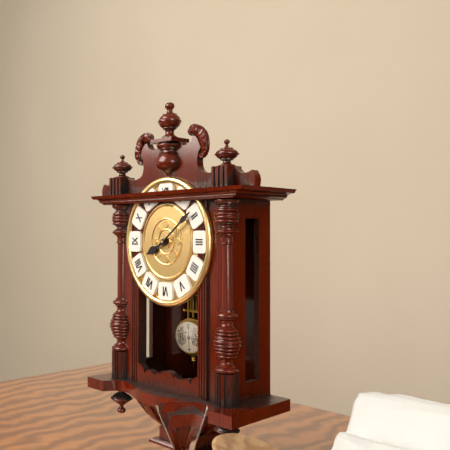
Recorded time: **8:09**
